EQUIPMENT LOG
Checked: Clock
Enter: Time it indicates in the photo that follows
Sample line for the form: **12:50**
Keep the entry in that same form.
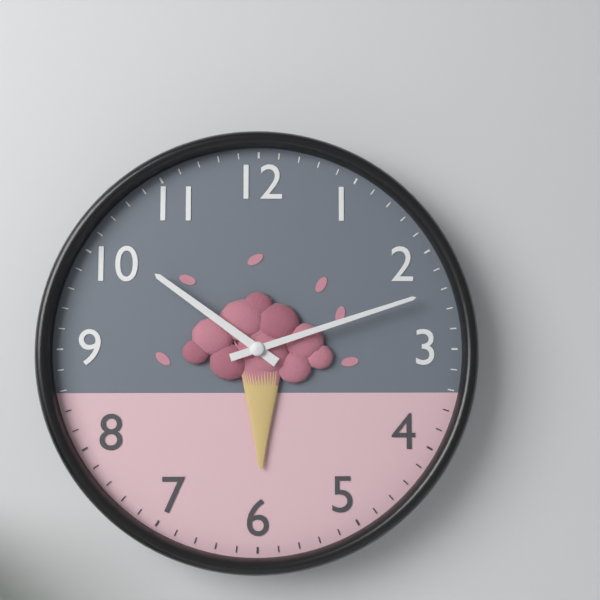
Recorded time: **10:12**
